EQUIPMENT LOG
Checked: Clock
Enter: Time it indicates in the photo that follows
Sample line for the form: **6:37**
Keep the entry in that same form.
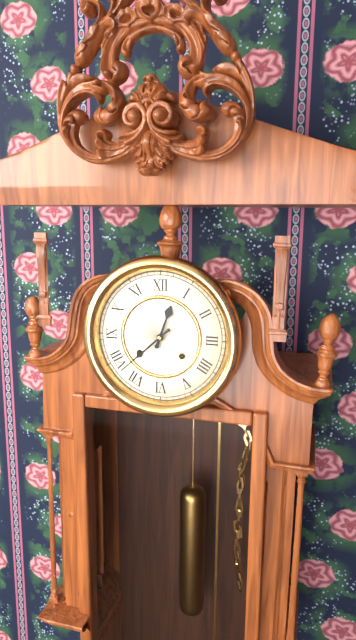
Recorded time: **12:38**
